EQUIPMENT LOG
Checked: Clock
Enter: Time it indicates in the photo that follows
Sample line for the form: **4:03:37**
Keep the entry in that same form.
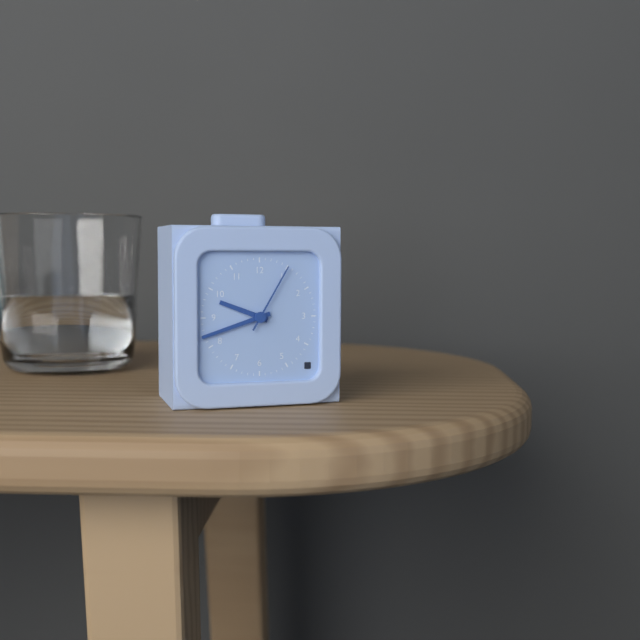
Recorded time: **9:42:05**
